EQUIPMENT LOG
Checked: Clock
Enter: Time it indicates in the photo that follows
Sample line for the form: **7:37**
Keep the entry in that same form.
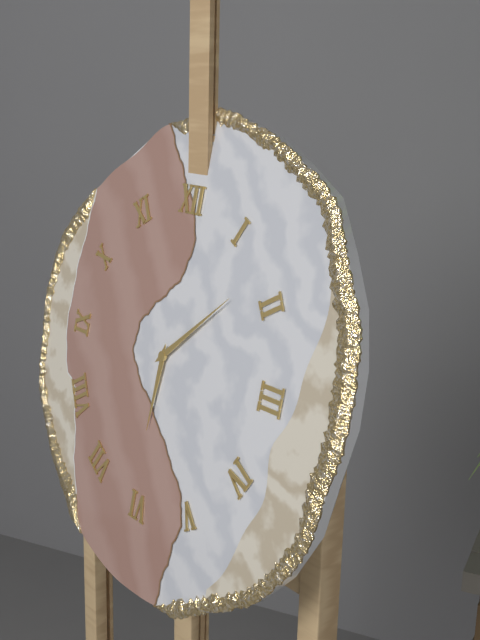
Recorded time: **6:08**
